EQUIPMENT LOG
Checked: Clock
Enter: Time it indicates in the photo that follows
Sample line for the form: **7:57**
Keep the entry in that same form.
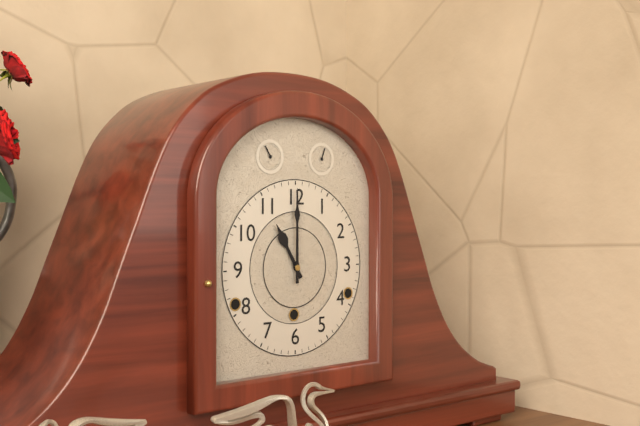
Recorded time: **11:00**
